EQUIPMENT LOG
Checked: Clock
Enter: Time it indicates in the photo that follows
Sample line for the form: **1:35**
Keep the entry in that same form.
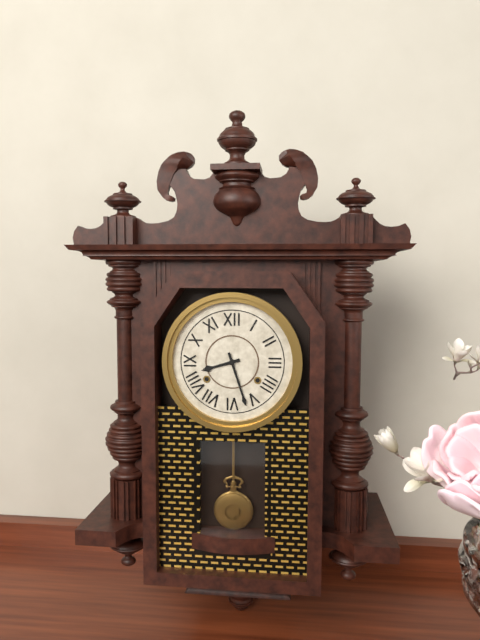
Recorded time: **8:27**
